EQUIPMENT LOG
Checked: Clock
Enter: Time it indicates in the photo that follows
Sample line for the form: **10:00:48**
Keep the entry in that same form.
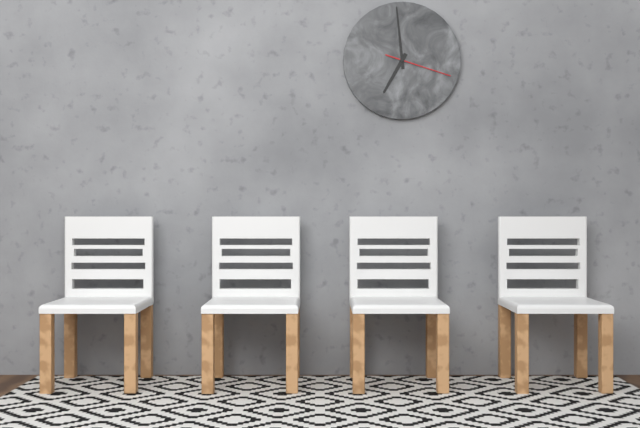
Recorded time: **6:59:18**
